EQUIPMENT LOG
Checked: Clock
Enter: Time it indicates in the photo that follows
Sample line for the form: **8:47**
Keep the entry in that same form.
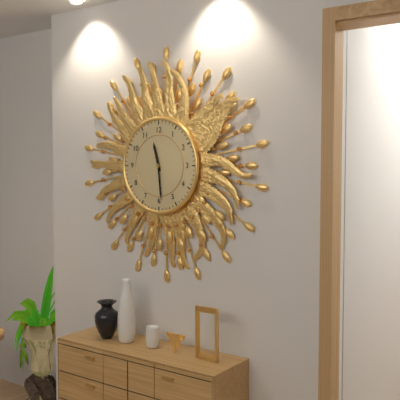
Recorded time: **11:29**
